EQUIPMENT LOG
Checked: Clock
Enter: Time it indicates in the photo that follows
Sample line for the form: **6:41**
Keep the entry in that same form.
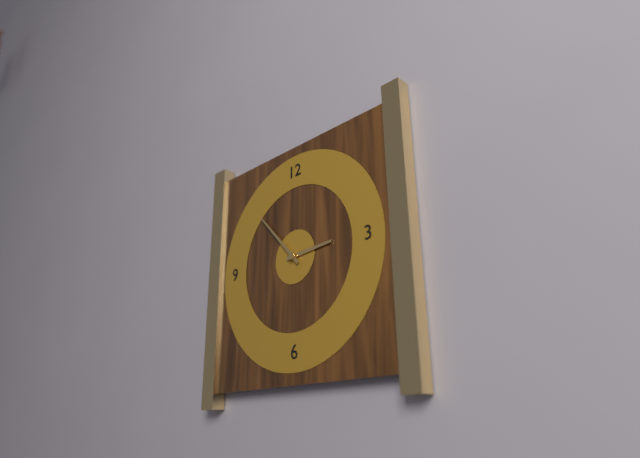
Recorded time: **2:53**
